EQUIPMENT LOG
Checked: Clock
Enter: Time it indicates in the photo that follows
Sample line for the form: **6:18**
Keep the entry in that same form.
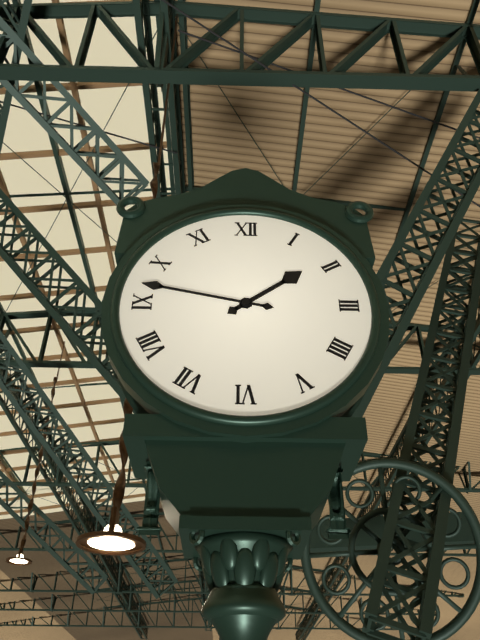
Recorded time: **1:47**
